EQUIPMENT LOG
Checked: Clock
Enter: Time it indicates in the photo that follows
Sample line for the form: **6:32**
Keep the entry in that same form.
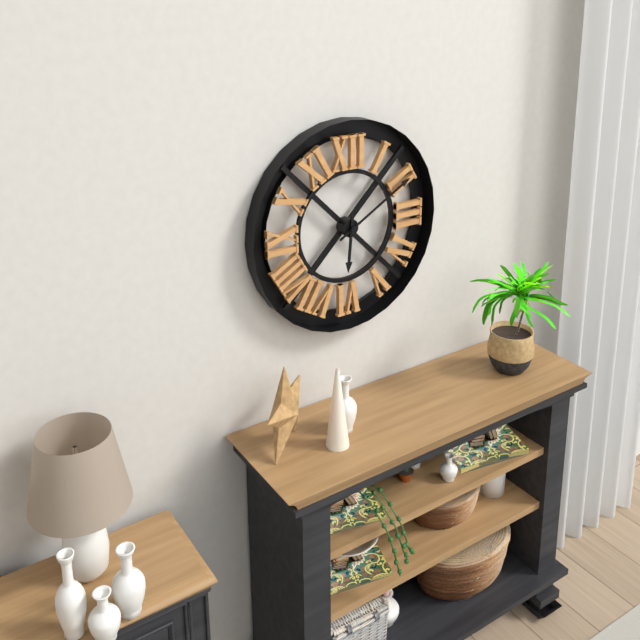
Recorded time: **6:10**
